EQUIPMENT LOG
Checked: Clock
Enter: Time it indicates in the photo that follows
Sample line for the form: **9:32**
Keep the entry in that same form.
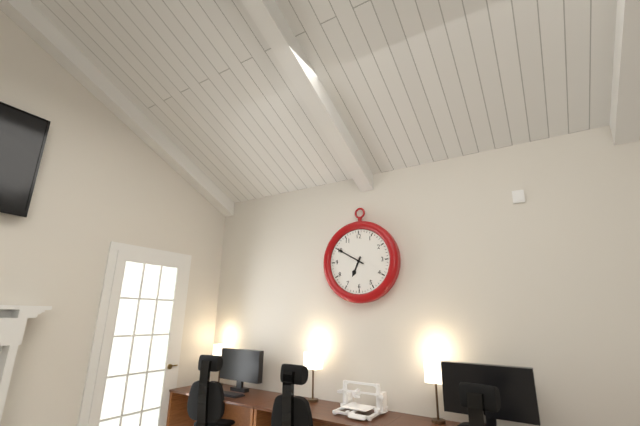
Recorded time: **6:50**
